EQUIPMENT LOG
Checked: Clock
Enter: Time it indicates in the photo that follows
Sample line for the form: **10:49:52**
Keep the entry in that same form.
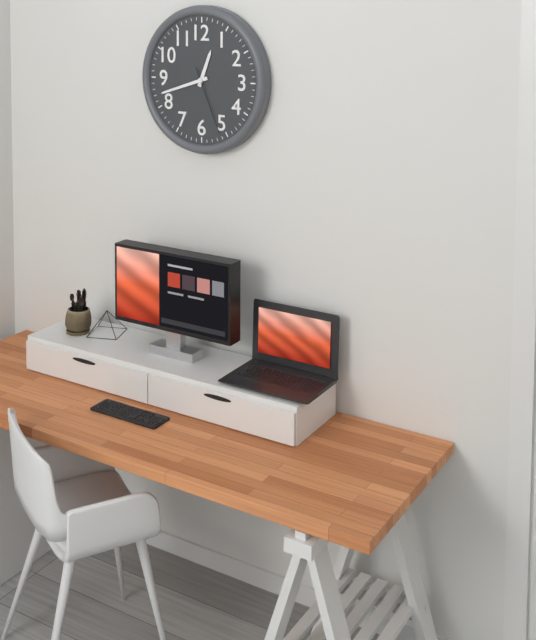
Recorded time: **12:42:26**
